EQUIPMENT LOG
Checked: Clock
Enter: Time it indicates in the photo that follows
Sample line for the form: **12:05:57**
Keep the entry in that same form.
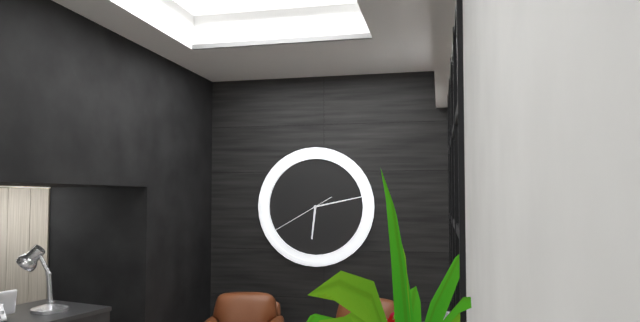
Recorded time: **6:13:40**
